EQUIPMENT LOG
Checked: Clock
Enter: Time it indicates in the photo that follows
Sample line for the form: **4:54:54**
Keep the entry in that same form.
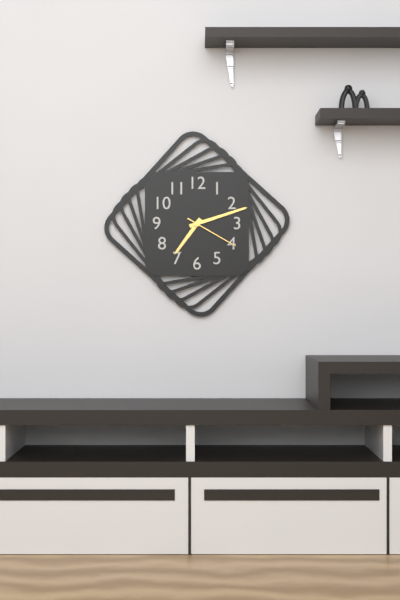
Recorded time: **7:12:20**
